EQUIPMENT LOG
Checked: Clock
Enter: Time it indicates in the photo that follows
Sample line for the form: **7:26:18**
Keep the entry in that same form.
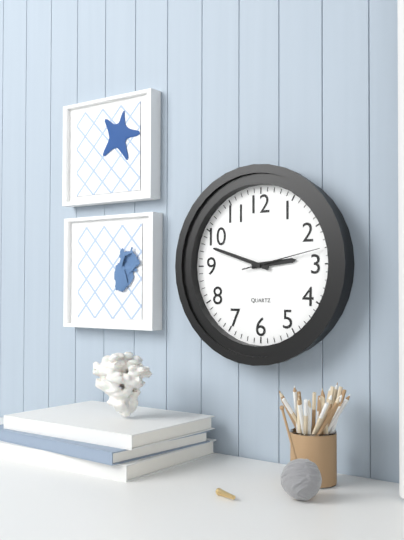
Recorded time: **2:48:13**
